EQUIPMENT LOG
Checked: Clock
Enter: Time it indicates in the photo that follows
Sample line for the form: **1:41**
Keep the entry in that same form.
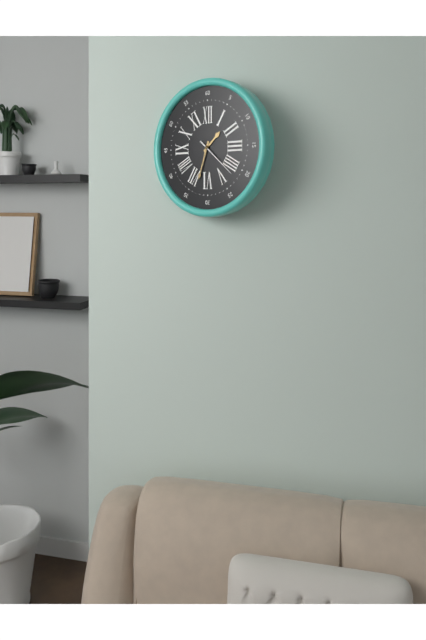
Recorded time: **1:33**
